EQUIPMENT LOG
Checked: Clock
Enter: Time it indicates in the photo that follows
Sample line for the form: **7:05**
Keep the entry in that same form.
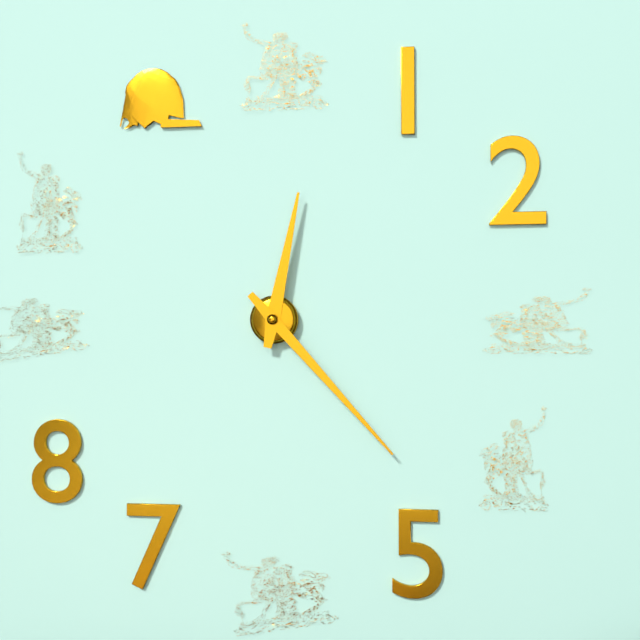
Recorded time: **12:23**
